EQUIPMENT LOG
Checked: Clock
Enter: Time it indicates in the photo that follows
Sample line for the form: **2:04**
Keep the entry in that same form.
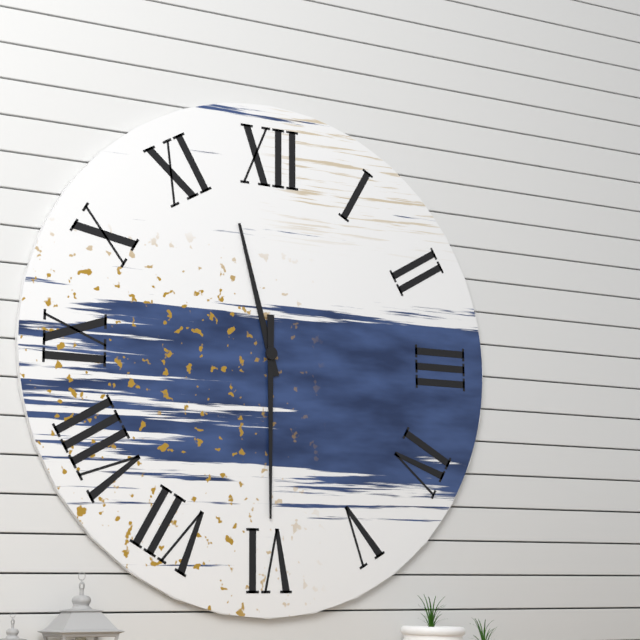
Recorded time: **11:30**
